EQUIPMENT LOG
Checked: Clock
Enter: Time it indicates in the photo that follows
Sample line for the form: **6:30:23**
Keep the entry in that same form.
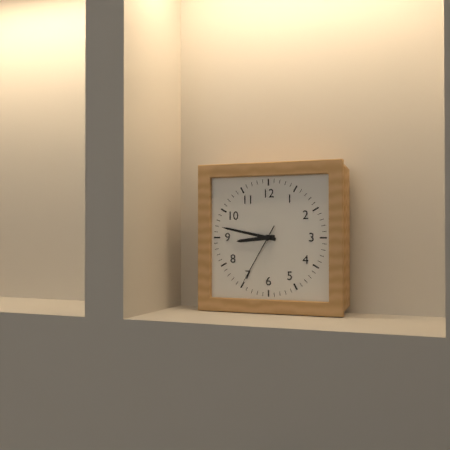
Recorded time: **8:47:35**
